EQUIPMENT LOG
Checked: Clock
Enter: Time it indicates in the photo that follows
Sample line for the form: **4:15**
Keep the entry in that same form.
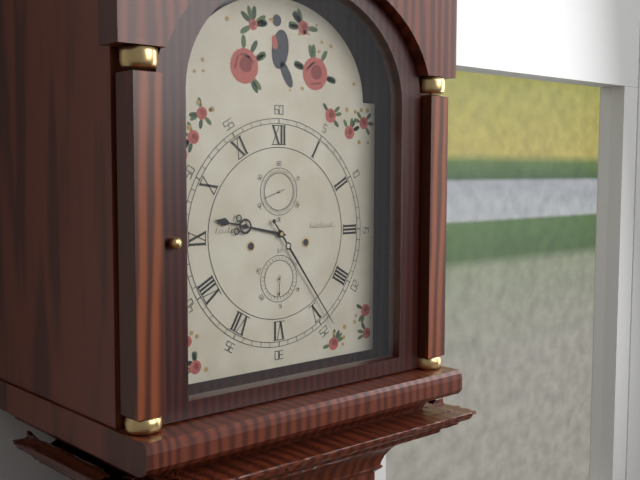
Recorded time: **9:24**
